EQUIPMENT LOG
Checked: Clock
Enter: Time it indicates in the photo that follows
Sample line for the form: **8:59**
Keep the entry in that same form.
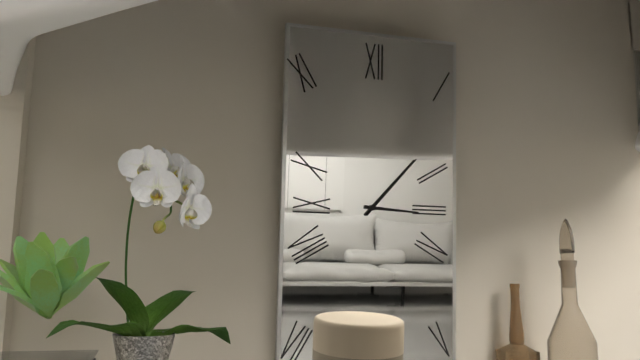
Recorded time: **3:07**
